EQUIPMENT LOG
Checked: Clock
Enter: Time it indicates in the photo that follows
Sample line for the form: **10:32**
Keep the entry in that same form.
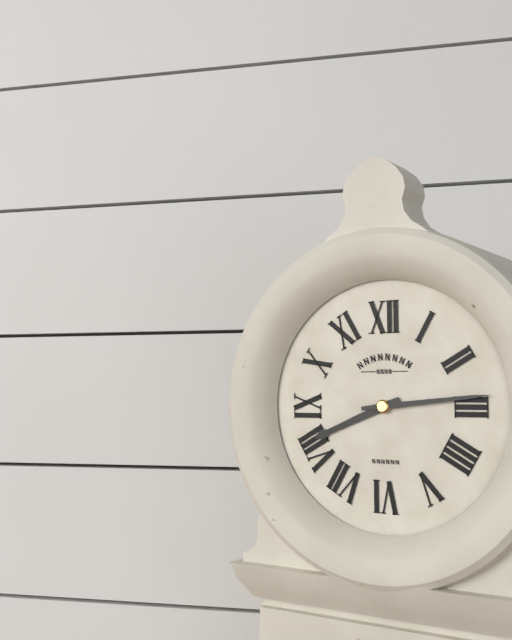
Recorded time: **8:14**
